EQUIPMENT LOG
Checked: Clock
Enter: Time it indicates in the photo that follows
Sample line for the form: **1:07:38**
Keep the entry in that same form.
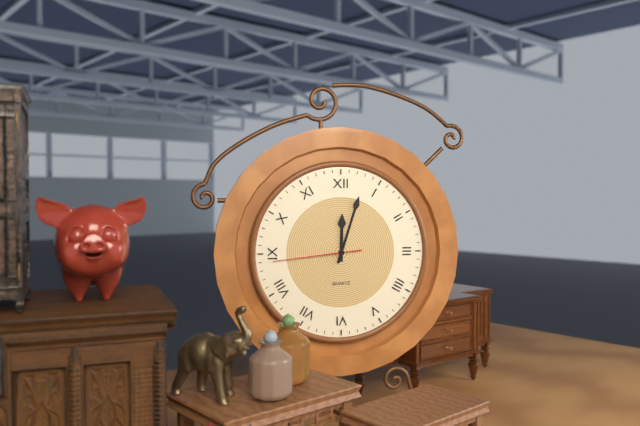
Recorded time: **12:03:44**
